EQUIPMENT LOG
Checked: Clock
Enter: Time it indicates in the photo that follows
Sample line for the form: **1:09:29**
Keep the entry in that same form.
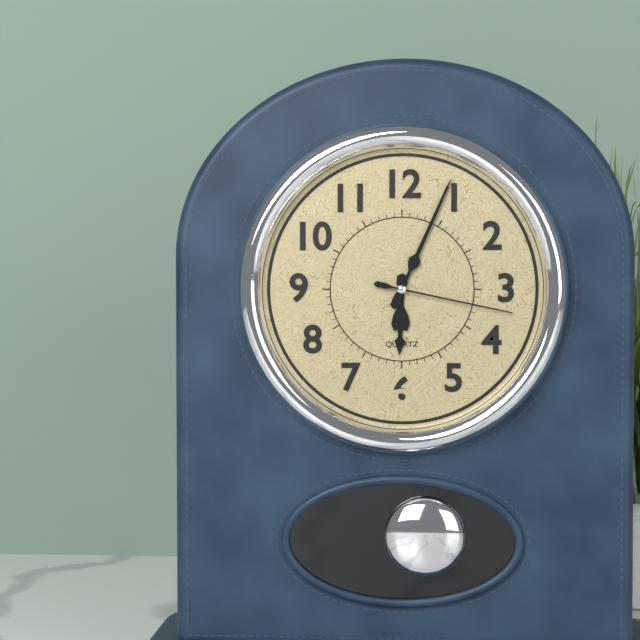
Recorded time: **6:04:17**
